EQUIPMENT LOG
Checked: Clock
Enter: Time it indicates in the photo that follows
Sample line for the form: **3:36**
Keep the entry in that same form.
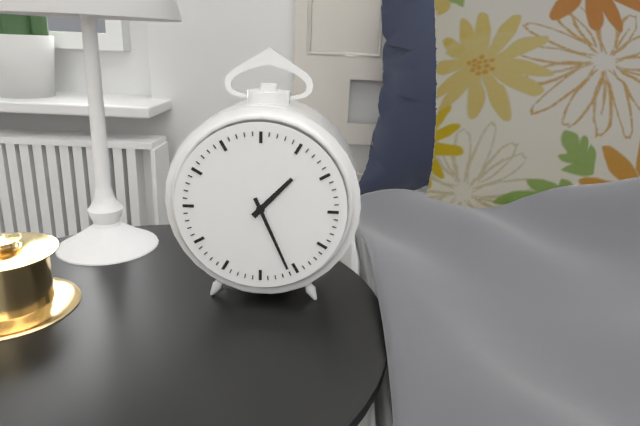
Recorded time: **1:26**
